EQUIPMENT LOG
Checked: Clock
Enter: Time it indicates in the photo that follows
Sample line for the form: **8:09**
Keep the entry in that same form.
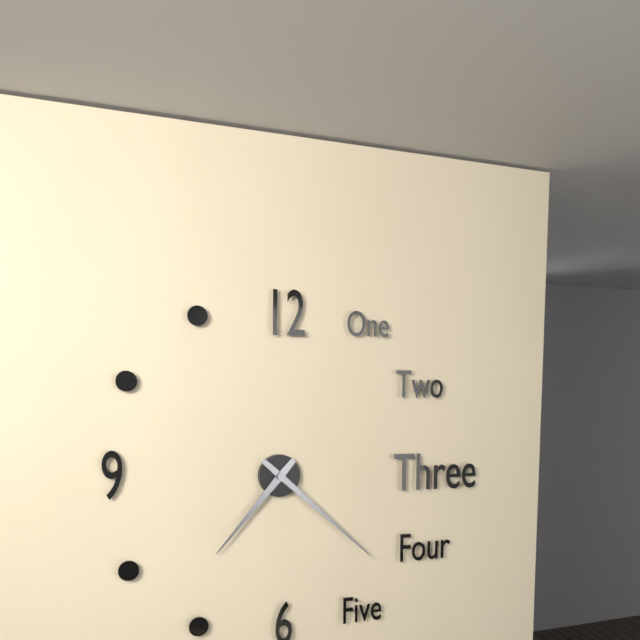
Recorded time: **7:22**
